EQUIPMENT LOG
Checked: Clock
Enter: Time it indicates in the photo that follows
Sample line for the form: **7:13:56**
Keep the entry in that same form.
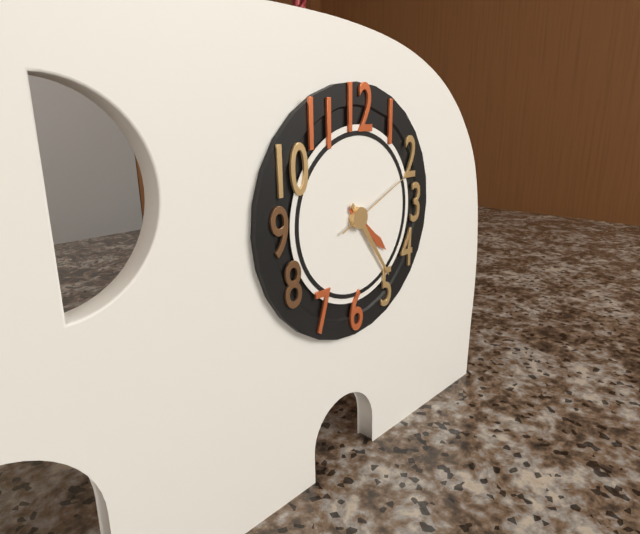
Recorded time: **4:24:11**
